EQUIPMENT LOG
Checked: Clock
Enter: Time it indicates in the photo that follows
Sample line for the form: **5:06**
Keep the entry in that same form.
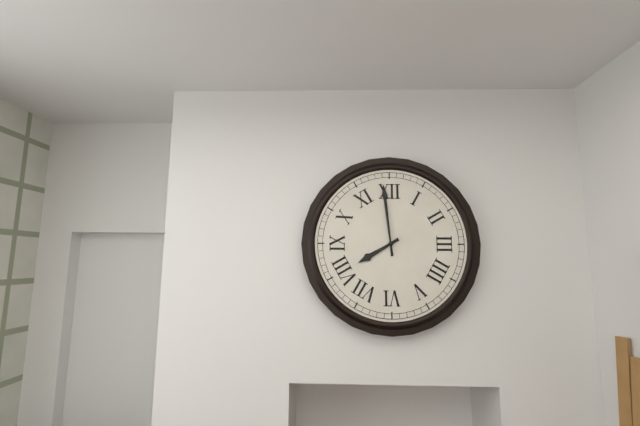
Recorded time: **7:59**
